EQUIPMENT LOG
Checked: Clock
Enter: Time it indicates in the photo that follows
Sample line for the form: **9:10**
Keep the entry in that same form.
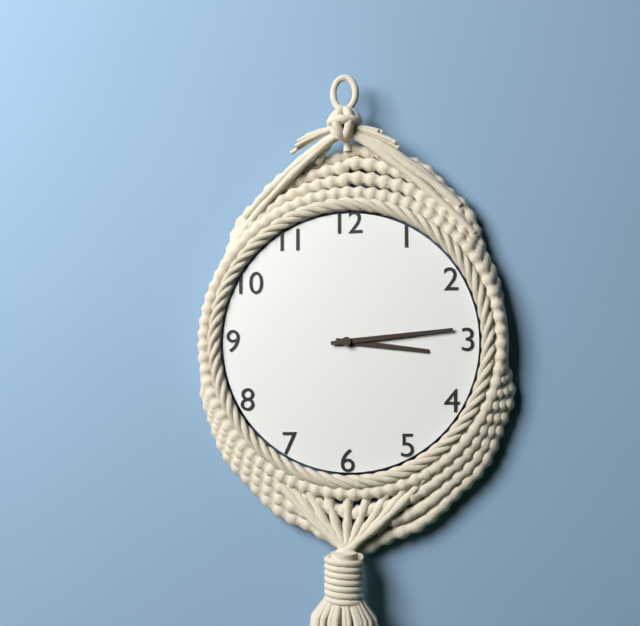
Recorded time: **3:14**
